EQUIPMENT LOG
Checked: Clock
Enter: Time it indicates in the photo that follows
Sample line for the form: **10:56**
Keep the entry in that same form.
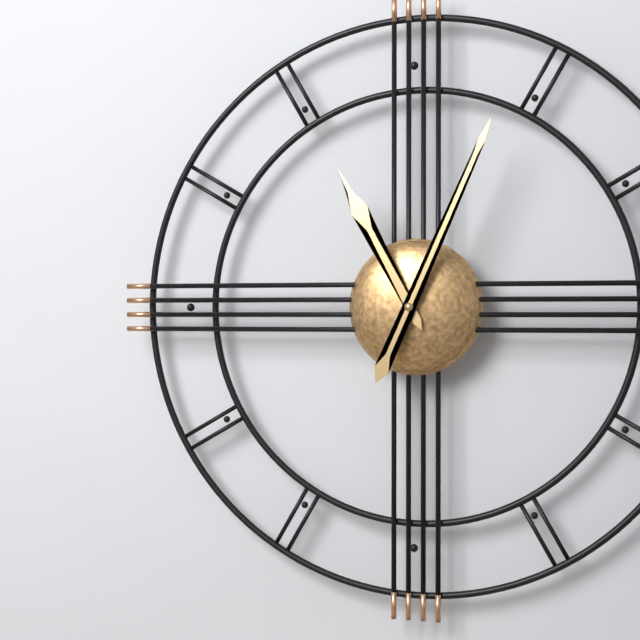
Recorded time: **11:04**
